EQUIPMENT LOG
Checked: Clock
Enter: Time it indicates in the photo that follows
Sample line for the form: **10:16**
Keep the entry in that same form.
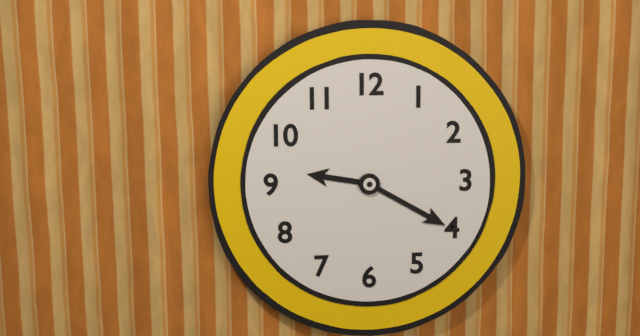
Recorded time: **9:20**
